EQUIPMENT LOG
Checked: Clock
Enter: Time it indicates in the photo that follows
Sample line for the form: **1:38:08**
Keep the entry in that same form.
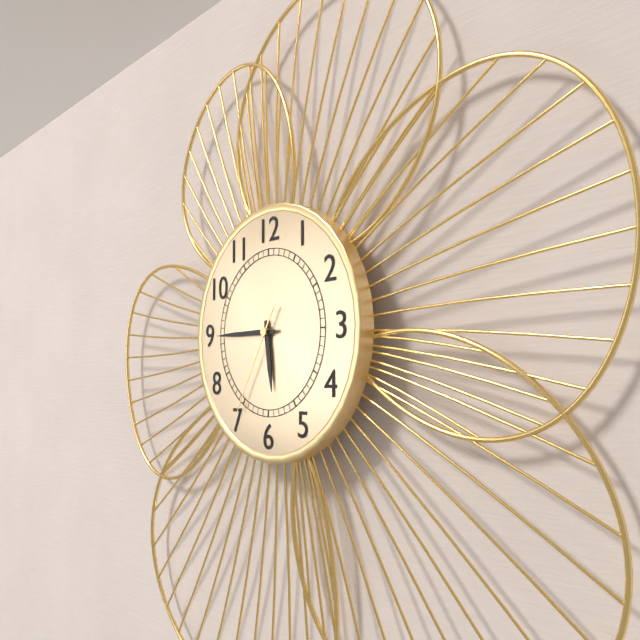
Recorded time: **5:45:35**
